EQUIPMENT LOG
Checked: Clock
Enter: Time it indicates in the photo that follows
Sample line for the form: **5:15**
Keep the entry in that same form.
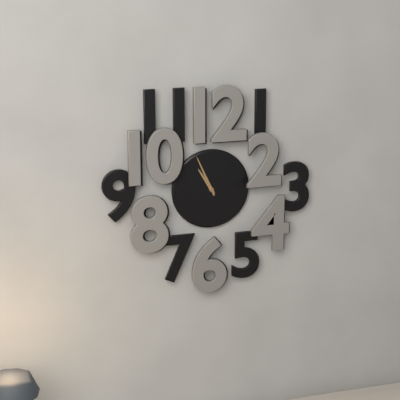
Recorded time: **10:56**
